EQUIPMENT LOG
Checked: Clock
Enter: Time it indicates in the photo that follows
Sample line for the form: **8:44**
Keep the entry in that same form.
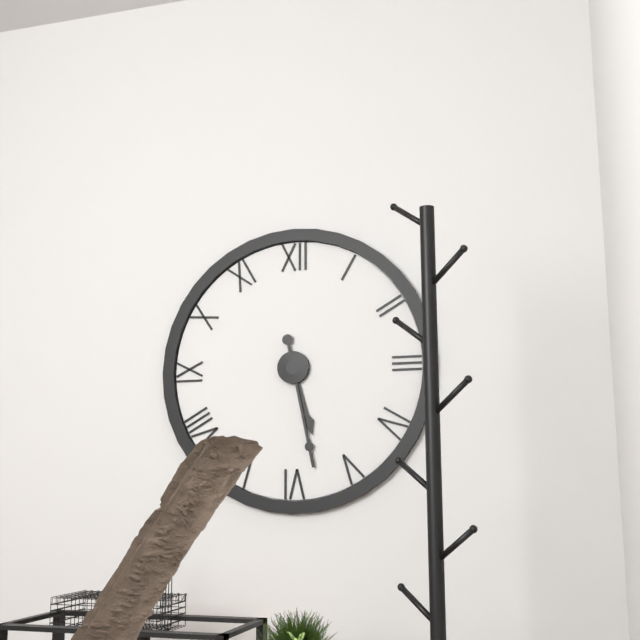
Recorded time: **5:28**
